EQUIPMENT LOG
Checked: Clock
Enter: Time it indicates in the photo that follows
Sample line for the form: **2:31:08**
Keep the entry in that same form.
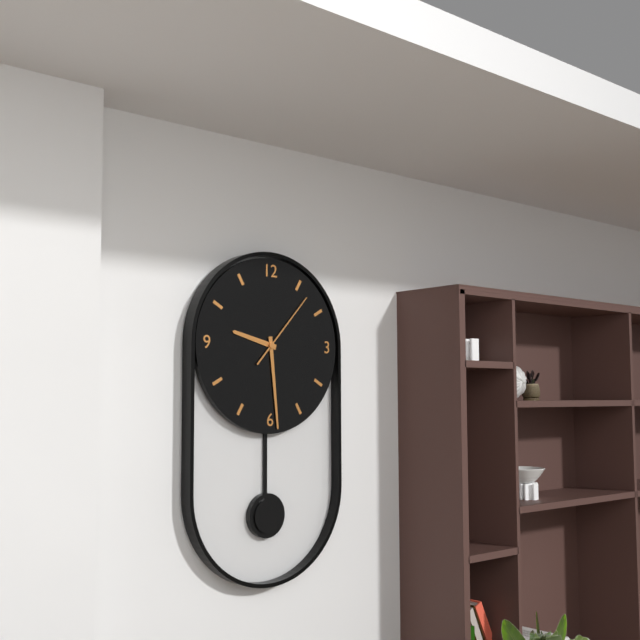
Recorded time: **9:29:07**
